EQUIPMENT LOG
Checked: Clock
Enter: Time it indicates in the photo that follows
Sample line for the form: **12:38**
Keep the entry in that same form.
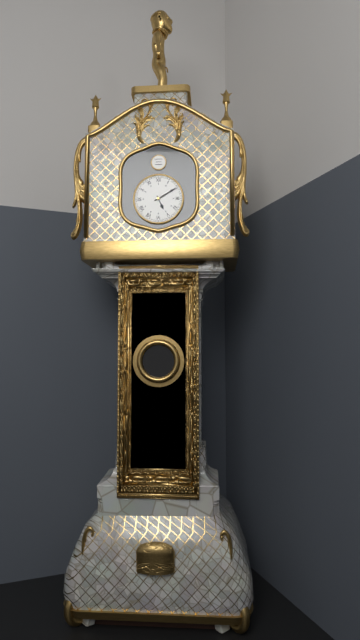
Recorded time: **5:10**
